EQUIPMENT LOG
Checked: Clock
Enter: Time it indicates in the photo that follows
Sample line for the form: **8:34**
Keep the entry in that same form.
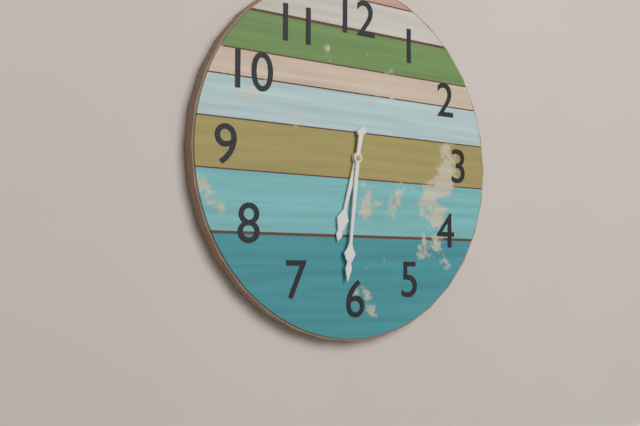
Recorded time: **6:31**
